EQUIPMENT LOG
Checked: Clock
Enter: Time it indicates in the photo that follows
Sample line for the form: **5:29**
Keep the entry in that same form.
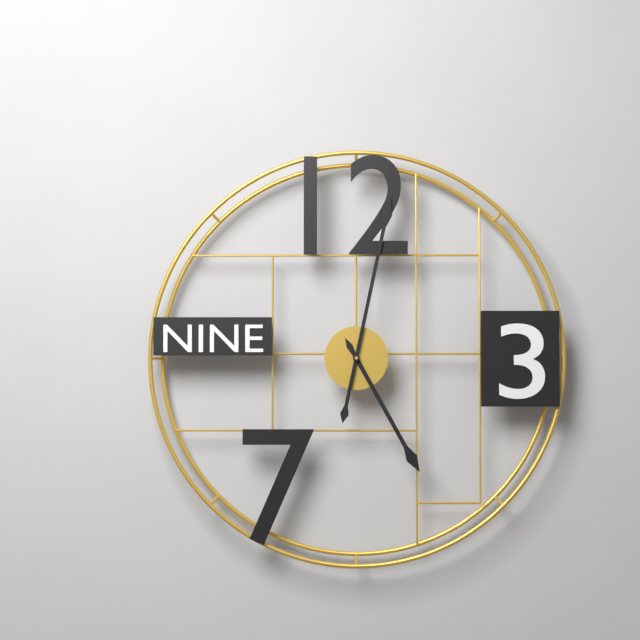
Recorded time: **5:02**
